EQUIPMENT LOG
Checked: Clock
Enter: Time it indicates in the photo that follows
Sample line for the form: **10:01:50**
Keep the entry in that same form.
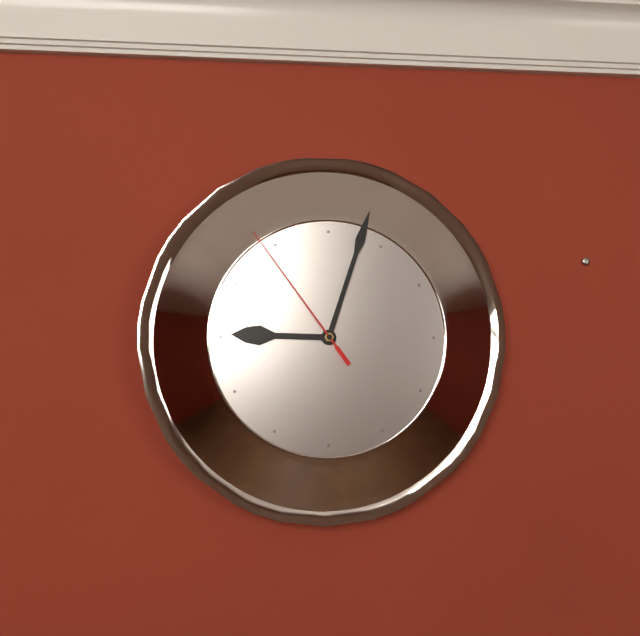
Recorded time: **9:03:54**
